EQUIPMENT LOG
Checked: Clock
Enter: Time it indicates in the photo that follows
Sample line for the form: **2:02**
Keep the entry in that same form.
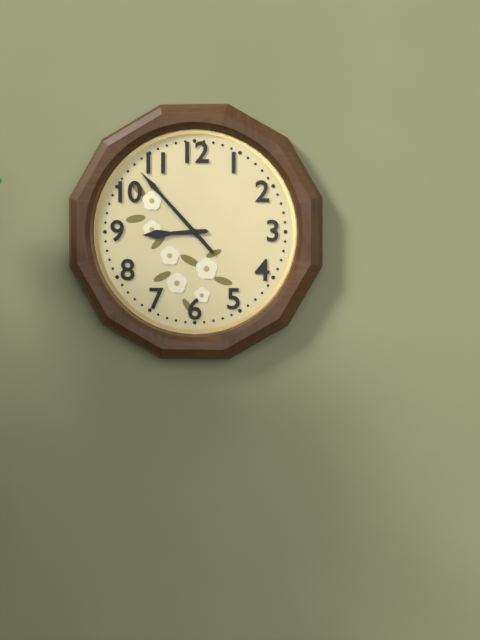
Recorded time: **8:53**
